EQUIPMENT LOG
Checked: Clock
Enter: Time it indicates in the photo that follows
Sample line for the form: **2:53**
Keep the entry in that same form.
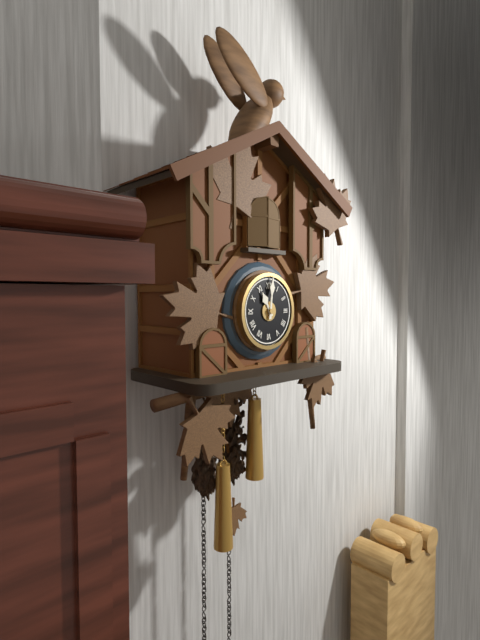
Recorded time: **11:01**
